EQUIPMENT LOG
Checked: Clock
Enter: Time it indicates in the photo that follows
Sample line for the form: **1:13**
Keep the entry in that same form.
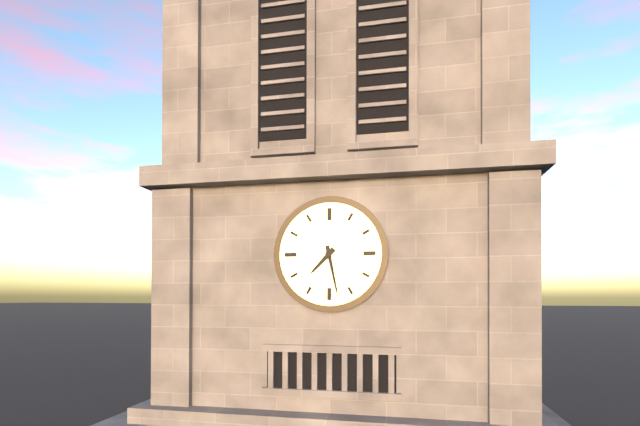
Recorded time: **7:28**
